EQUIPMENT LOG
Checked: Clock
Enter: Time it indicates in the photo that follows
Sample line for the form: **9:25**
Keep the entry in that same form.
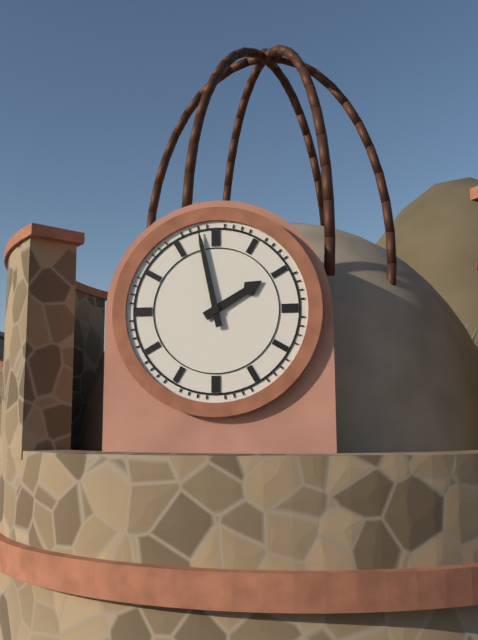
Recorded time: **1:58**
